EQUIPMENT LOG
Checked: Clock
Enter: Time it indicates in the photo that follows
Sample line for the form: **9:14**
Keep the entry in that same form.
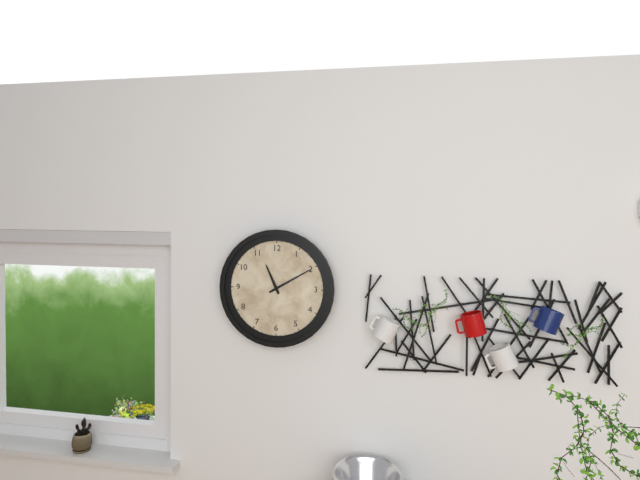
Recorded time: **11:10**
